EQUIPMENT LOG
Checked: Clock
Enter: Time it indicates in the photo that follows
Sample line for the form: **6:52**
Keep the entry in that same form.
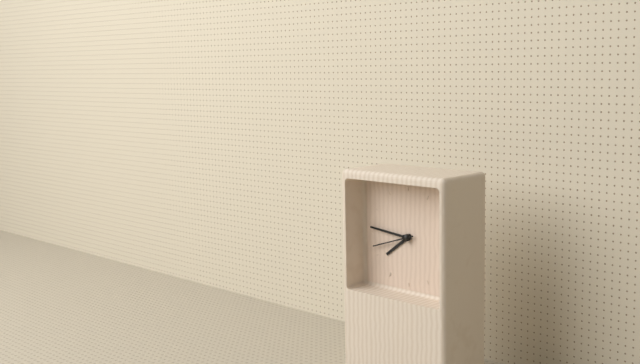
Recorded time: **7:46**
